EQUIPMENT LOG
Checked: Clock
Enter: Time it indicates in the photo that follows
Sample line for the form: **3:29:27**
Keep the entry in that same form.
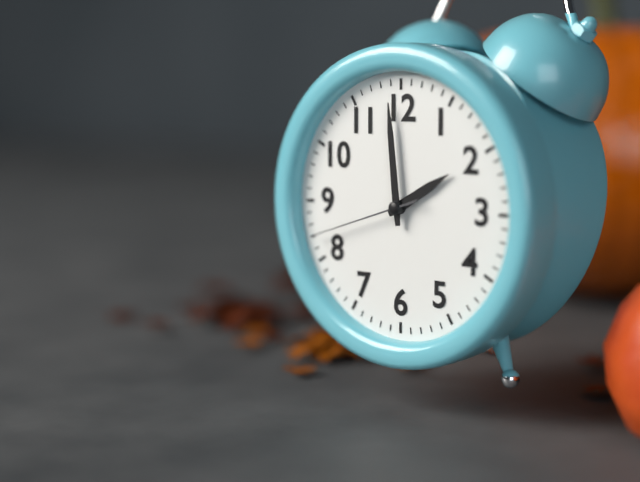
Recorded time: **1:59:42**
